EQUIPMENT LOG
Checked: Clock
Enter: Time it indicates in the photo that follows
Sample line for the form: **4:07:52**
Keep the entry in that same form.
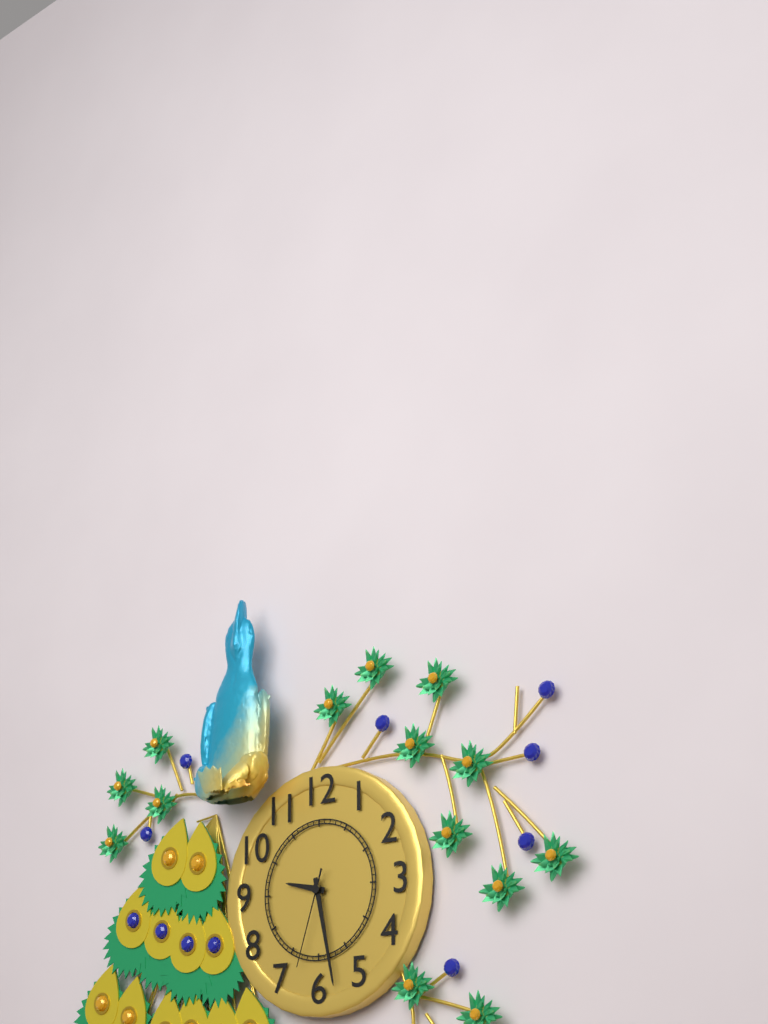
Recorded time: **9:28:33**
